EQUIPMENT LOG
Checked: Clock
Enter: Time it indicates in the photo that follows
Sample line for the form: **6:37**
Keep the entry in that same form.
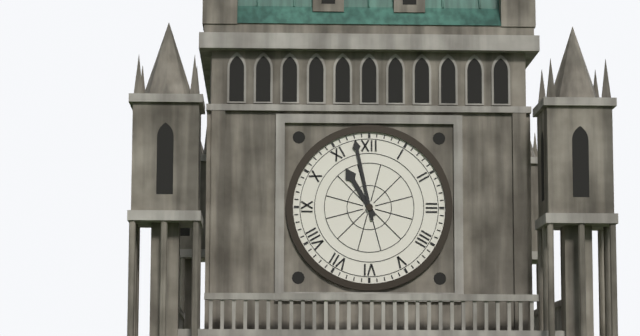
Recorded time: **10:58**
